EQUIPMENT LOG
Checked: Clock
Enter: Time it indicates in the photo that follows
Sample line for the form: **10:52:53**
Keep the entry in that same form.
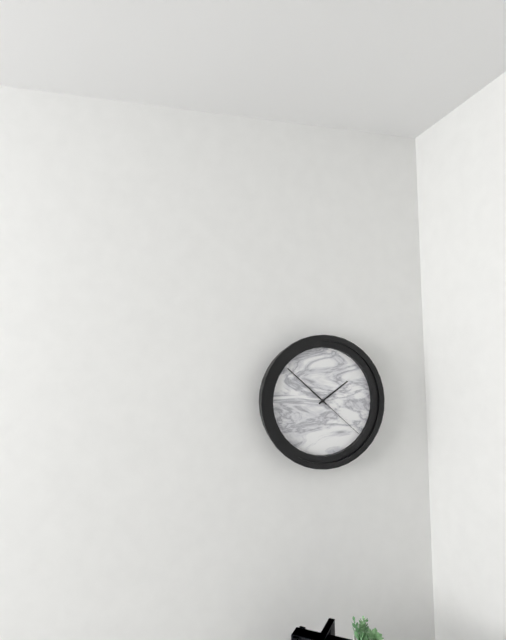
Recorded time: **1:52:22**
